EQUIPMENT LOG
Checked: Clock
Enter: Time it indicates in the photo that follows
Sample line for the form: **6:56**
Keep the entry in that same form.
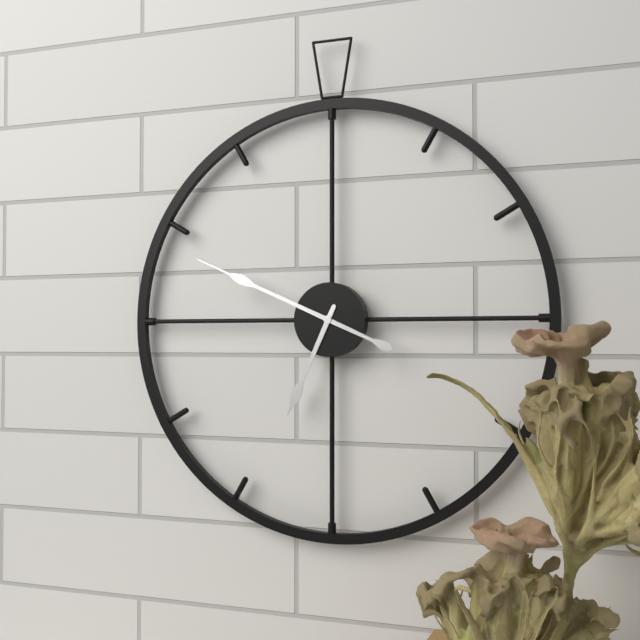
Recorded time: **6:49**
